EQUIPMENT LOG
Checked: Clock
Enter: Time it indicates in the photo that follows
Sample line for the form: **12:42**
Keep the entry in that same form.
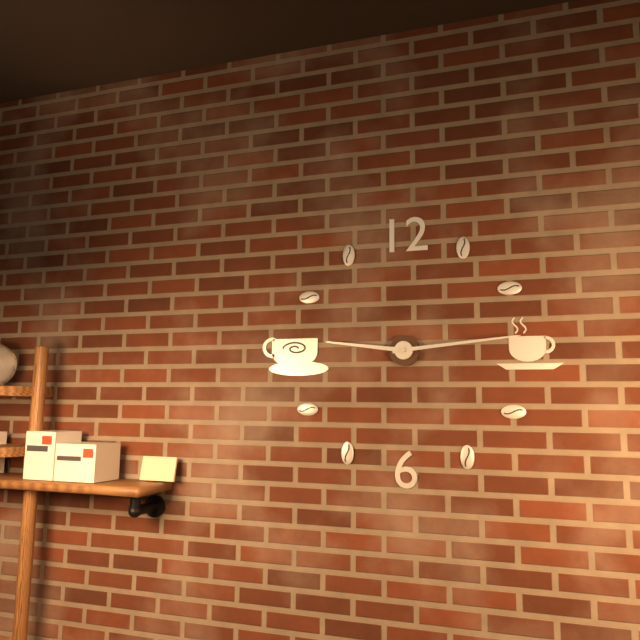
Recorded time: **9:14**
